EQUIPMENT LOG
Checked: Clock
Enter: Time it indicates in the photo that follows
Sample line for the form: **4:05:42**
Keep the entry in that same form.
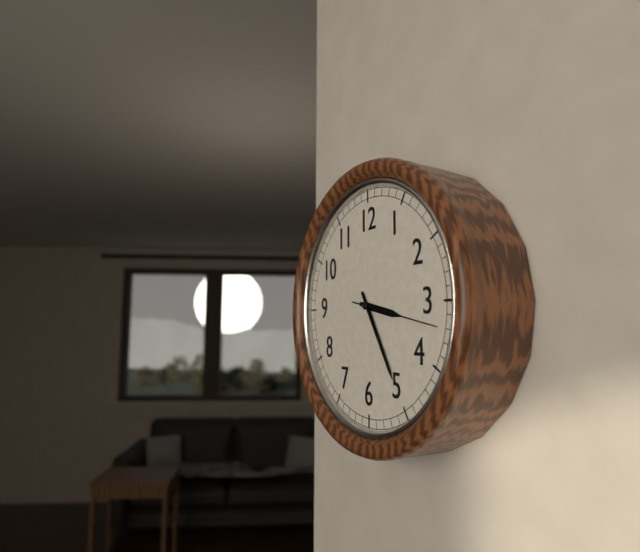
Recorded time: **3:25:17**
